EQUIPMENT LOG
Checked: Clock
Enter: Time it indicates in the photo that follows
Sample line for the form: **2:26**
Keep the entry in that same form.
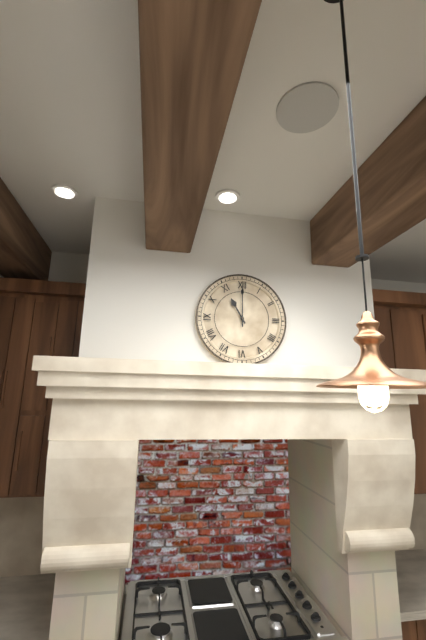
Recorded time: **11:00**
